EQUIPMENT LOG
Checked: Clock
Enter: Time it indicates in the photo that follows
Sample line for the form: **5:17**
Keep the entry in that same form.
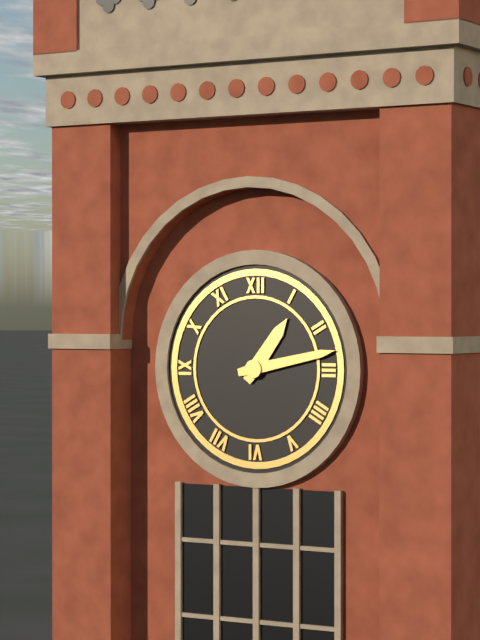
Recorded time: **1:13**
